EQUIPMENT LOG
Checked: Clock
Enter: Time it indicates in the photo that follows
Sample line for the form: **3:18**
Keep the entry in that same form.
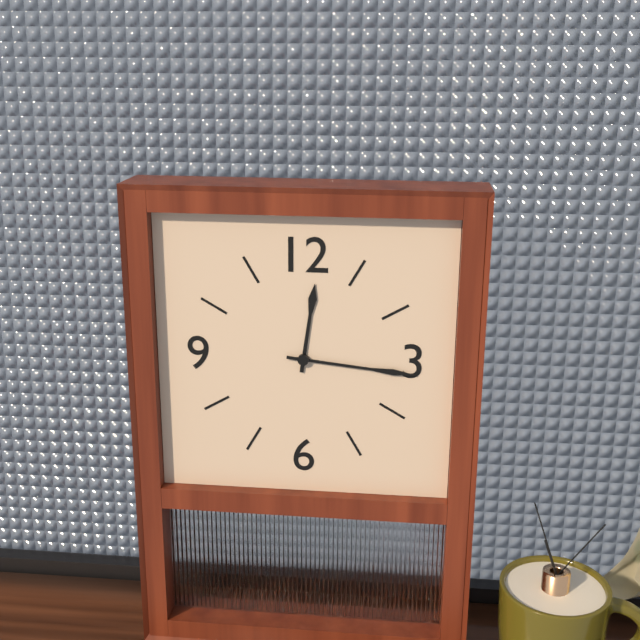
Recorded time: **12:16**
